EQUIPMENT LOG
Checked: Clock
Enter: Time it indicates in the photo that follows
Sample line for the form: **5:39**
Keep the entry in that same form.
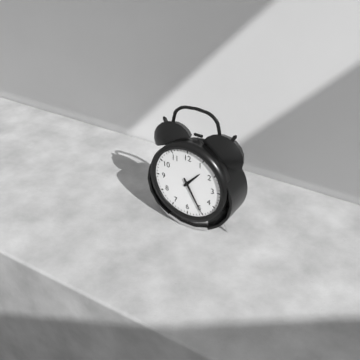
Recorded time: **1:25**
